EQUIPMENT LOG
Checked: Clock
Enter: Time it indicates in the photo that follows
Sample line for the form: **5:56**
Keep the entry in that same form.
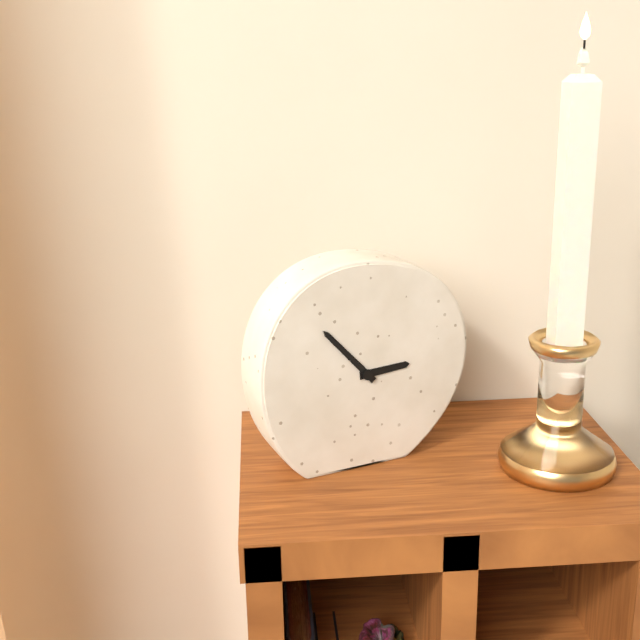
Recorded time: **2:53**
